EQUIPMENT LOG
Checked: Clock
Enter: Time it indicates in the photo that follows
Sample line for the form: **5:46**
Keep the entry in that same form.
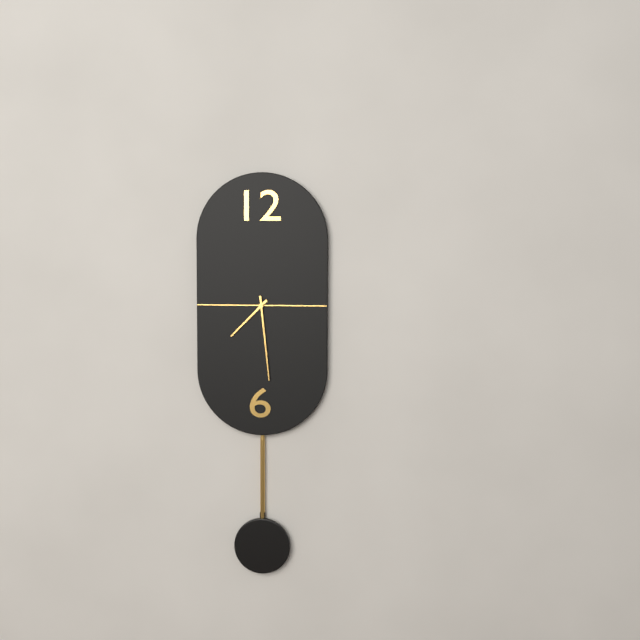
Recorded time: **7:29**
